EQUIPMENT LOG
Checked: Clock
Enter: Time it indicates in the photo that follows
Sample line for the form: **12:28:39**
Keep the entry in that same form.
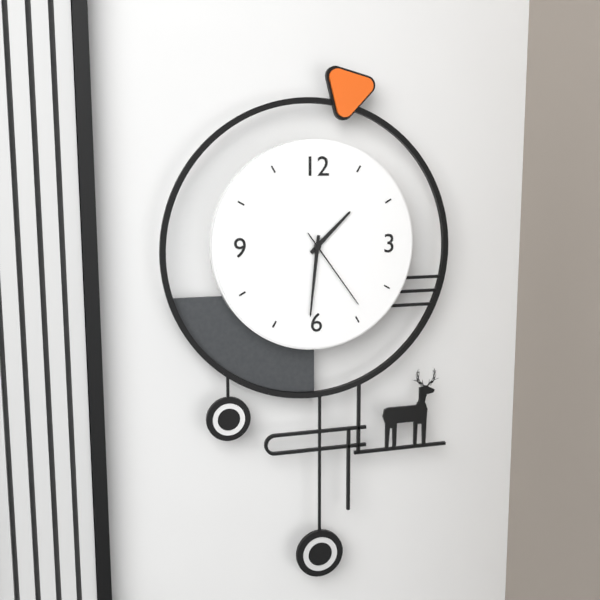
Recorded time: **1:31:24**
